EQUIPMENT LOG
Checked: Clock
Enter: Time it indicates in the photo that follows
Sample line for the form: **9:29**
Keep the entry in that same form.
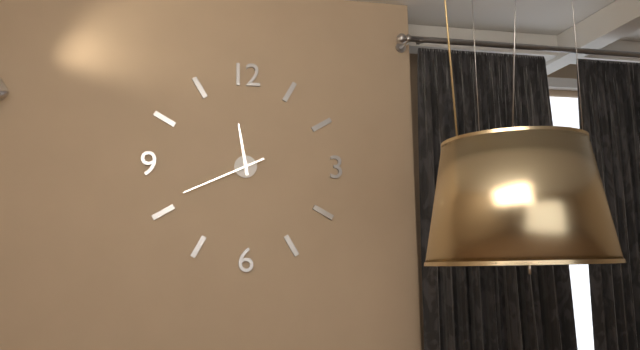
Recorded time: **11:41**
